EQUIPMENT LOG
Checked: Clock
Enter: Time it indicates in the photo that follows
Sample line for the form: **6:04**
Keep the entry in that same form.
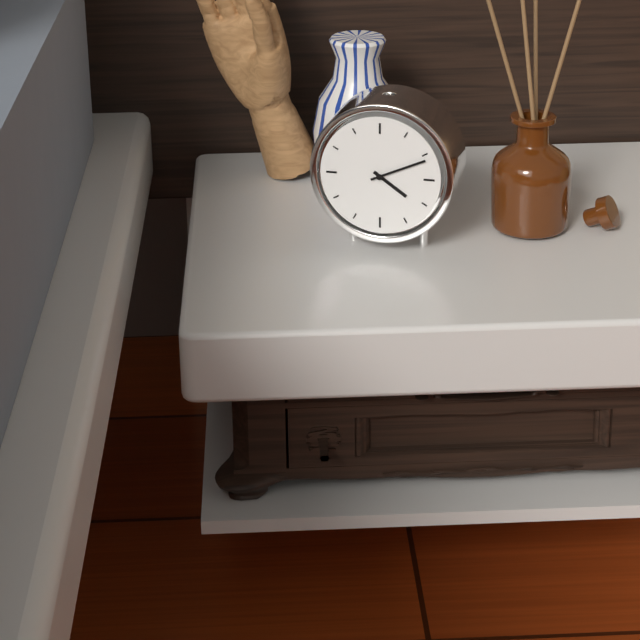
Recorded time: **4:11**
